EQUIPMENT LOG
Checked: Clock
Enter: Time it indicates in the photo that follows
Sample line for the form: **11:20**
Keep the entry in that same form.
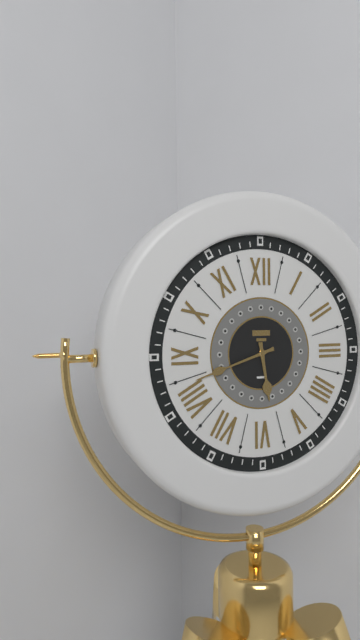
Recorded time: **5:42**
